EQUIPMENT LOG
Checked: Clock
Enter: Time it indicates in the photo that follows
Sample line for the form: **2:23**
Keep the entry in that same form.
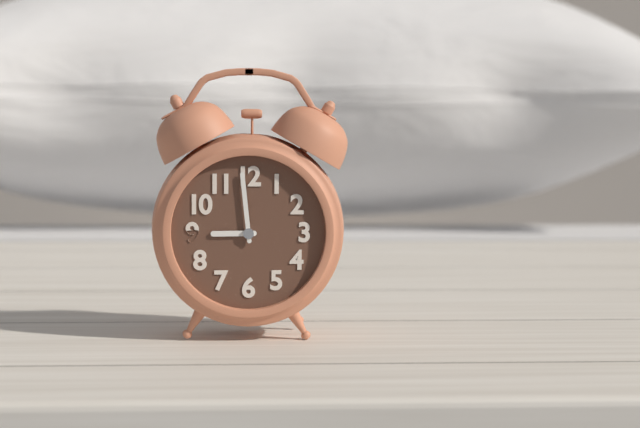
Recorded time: **8:59**
